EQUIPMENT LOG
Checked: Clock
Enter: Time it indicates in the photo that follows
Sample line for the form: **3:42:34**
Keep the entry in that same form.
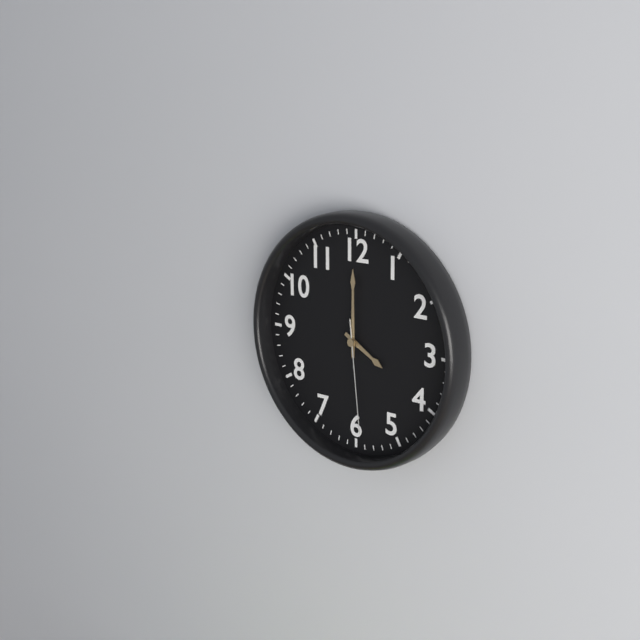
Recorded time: **4:00:29**
